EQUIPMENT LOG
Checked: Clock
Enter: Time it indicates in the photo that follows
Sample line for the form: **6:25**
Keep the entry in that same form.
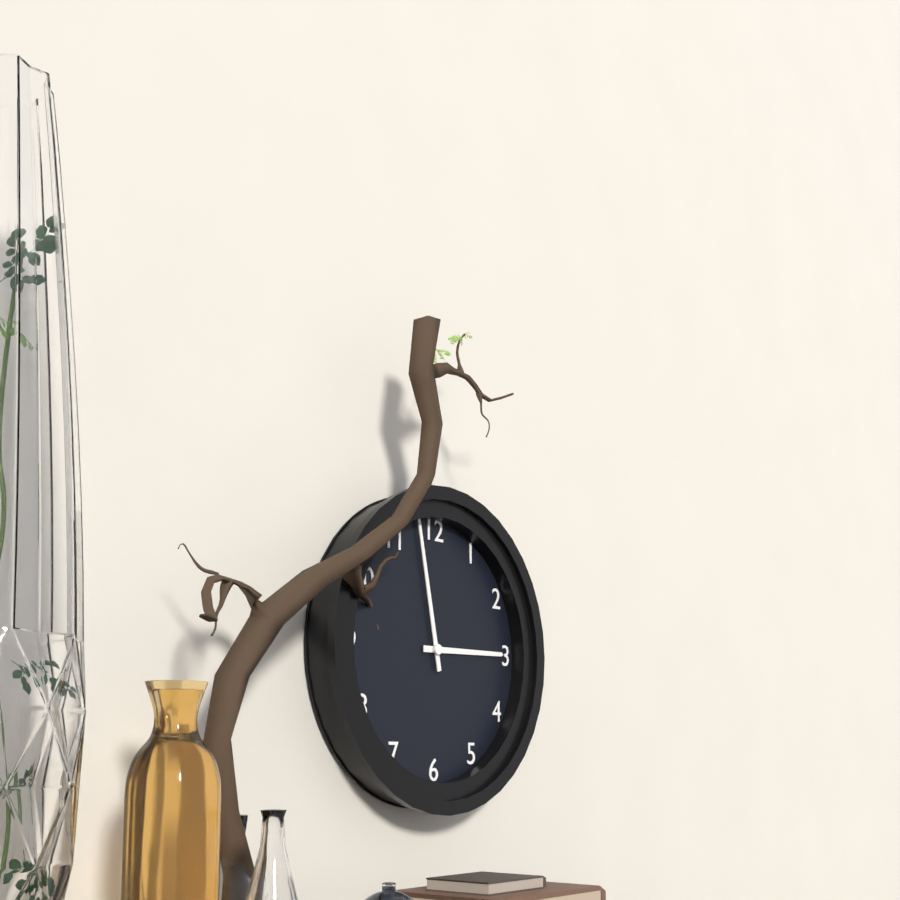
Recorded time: **2:58**
